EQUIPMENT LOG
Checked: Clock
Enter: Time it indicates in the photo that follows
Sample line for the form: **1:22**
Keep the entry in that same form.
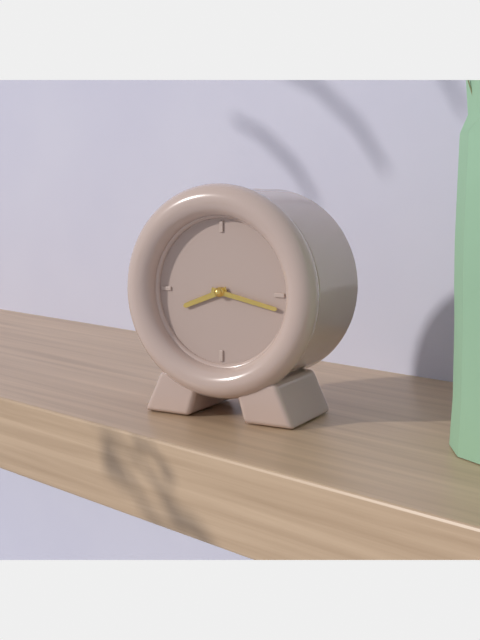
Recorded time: **8:17**
